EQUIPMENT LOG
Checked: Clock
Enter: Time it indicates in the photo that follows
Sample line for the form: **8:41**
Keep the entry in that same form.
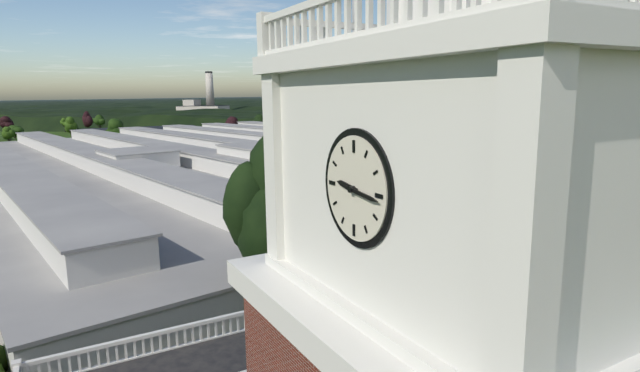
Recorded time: **9:16**
